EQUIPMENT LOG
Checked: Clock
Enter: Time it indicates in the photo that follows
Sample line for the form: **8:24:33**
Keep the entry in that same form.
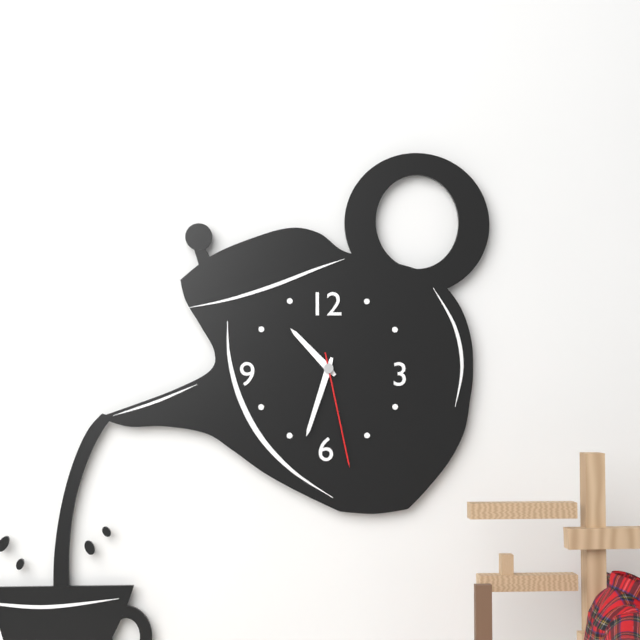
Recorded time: **10:33:28**
